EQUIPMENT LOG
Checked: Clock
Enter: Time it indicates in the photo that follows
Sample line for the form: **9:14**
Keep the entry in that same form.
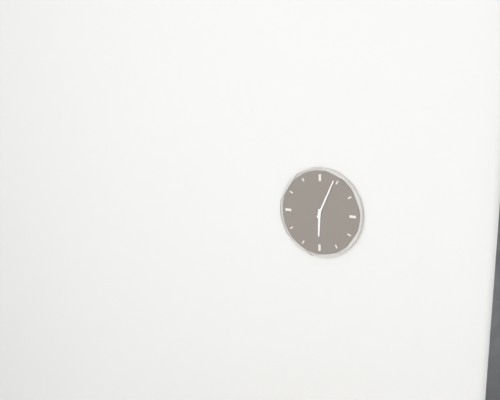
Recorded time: **6:04**
